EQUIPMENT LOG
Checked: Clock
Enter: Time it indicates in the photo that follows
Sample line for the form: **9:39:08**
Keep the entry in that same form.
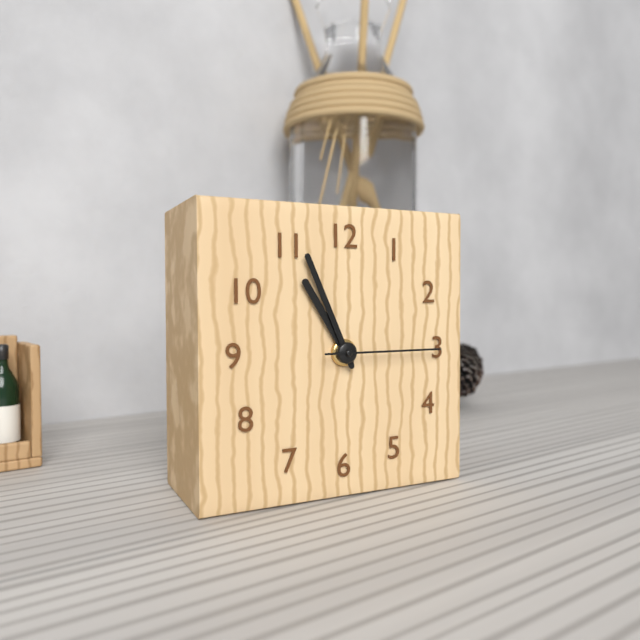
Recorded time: **10:56:15**
